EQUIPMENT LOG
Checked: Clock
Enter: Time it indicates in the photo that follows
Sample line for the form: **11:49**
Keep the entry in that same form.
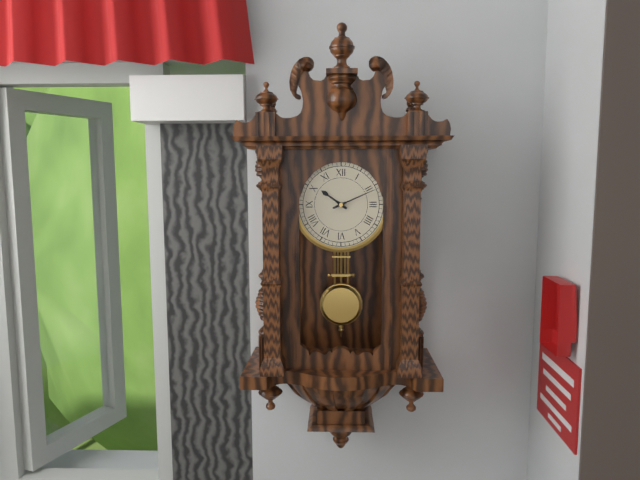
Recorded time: **10:11**
